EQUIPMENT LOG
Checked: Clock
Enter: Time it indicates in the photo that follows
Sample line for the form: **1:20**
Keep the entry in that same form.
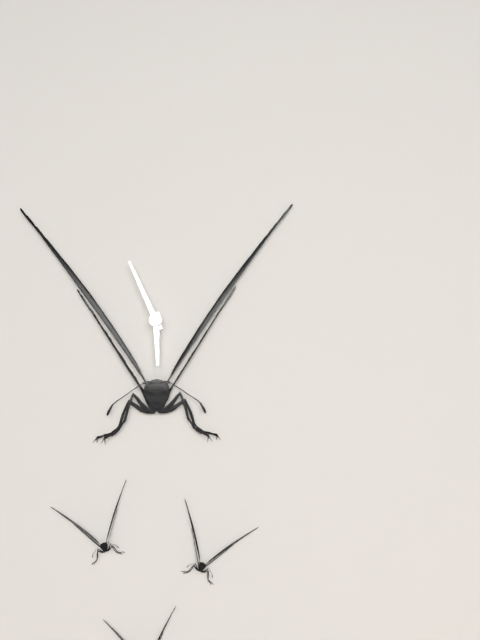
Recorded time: **5:56**
